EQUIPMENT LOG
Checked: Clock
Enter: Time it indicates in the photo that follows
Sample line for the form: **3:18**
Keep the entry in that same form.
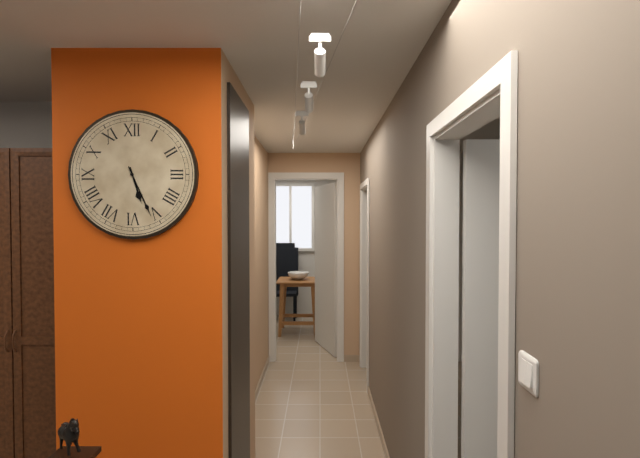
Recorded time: **5:26**
